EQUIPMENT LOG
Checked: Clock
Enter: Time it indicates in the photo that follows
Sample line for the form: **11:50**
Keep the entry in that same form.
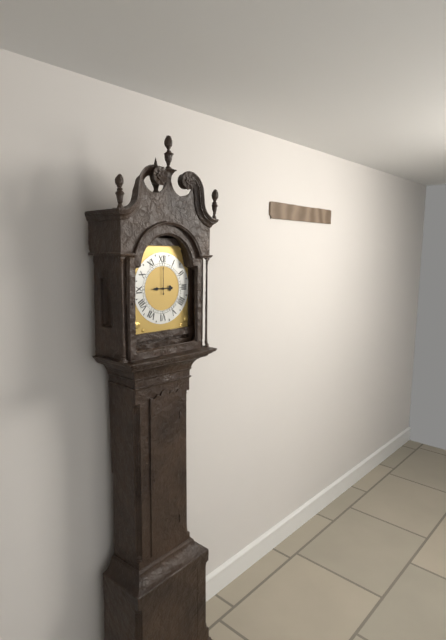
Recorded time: **9:00**
